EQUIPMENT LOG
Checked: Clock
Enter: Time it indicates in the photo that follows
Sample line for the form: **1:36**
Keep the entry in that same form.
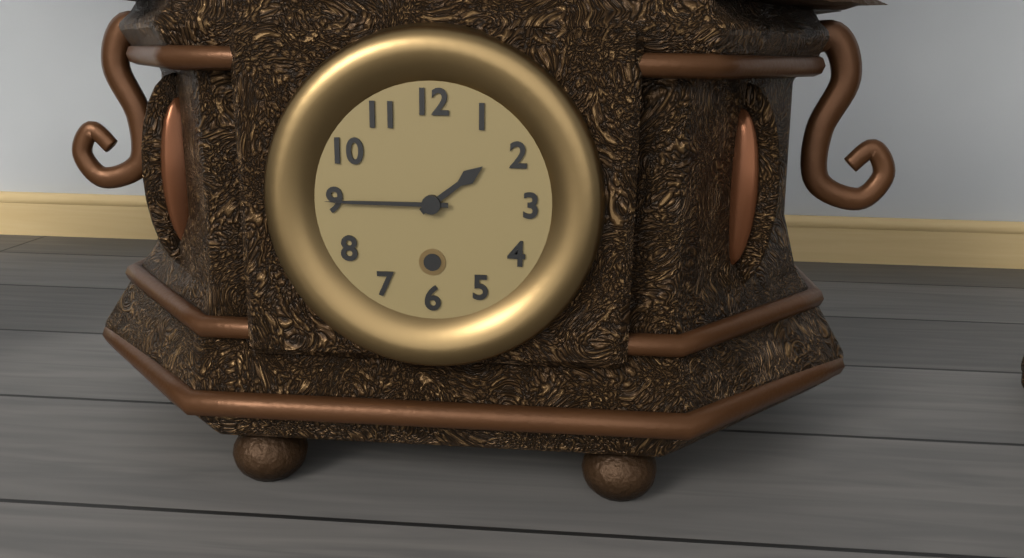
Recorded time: **1:45**
